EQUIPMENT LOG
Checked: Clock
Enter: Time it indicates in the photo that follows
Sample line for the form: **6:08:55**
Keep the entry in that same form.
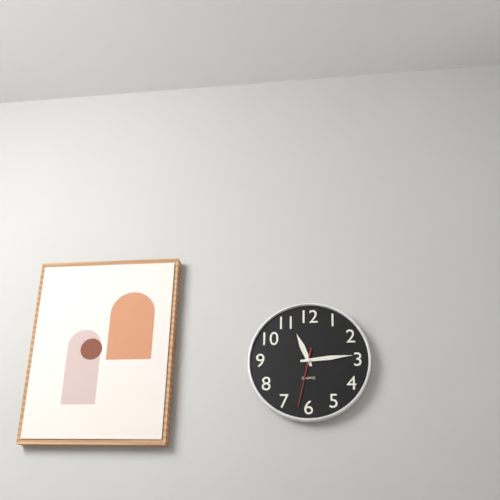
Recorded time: **11:14:32**
